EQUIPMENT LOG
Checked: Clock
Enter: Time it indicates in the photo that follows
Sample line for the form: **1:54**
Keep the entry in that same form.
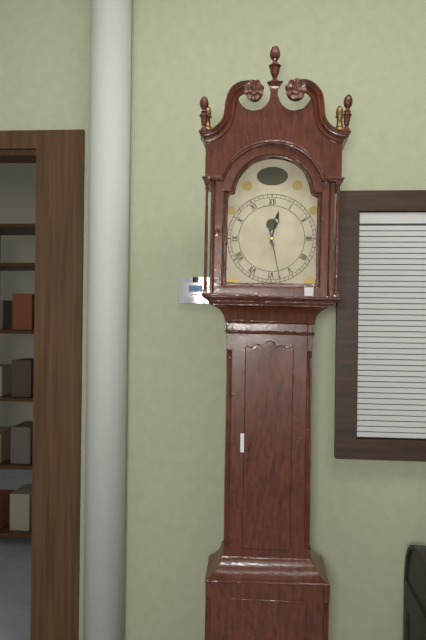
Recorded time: **12:28**
